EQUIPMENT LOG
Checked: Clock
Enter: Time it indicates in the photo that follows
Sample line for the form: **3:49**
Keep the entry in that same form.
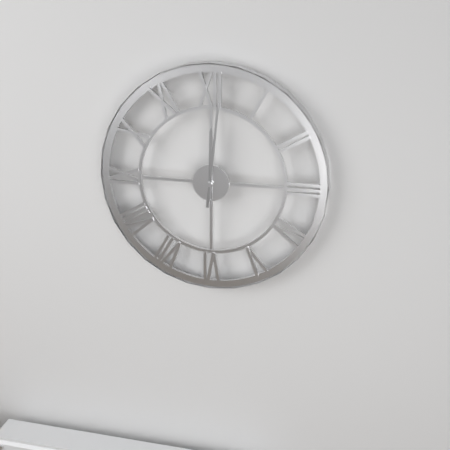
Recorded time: **12:01**
